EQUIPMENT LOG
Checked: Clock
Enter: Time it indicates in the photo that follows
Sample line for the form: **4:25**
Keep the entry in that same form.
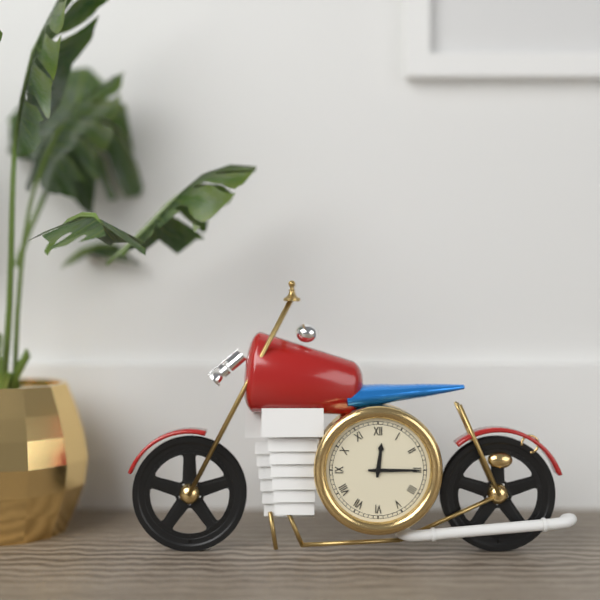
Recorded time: **12:15**
